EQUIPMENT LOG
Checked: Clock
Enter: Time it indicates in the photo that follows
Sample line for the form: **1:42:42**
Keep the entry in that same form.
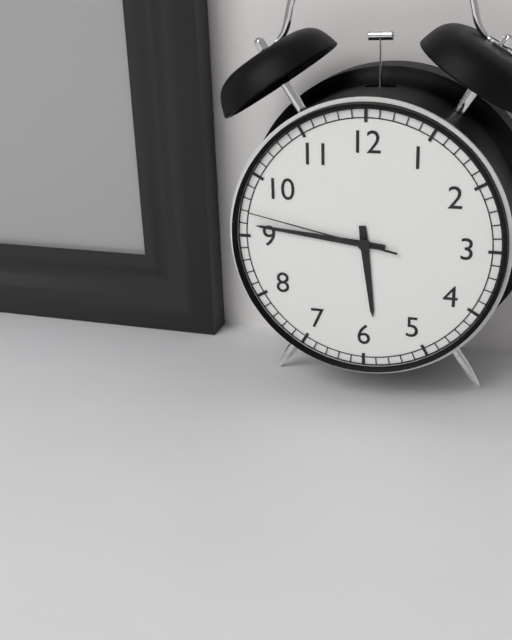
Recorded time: **5:46:47**
